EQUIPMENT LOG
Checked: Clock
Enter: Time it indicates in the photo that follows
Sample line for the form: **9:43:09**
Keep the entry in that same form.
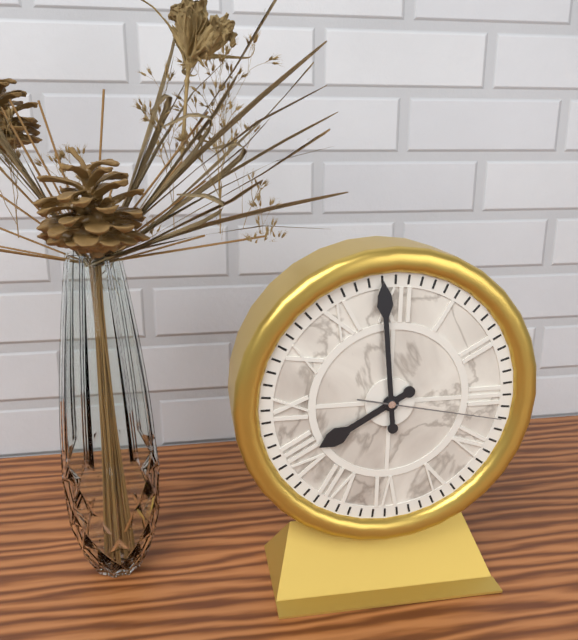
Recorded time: **7:59:17**
